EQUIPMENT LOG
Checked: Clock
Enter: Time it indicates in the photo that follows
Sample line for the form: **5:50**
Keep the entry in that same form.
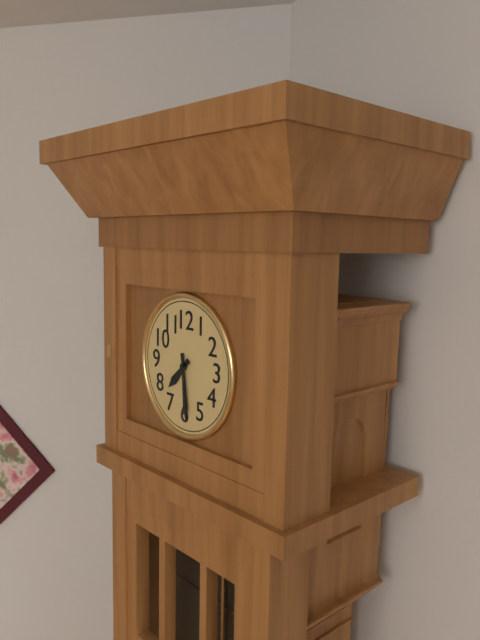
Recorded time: **7:29**
